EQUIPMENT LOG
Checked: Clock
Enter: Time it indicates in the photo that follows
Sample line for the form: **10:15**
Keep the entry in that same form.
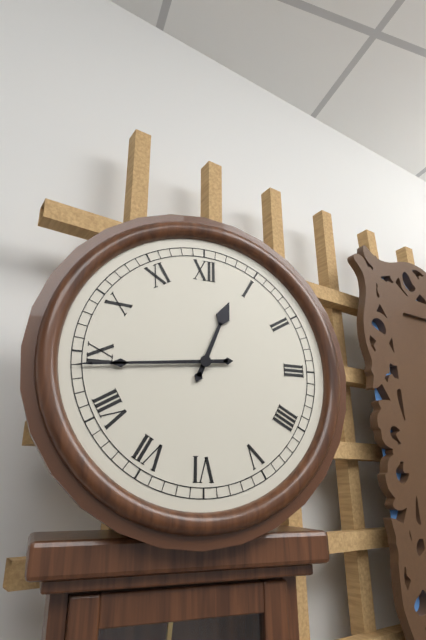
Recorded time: **12:44**
